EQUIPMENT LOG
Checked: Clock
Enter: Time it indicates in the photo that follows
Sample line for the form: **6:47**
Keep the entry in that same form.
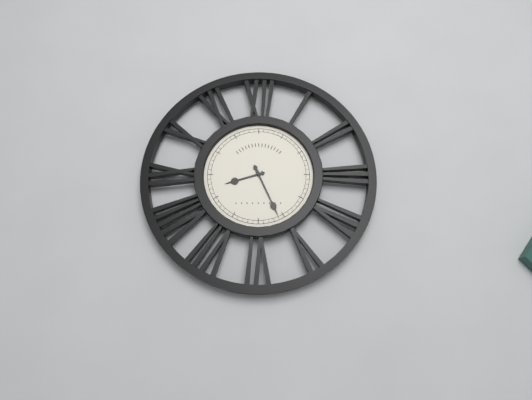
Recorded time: **8:26**
